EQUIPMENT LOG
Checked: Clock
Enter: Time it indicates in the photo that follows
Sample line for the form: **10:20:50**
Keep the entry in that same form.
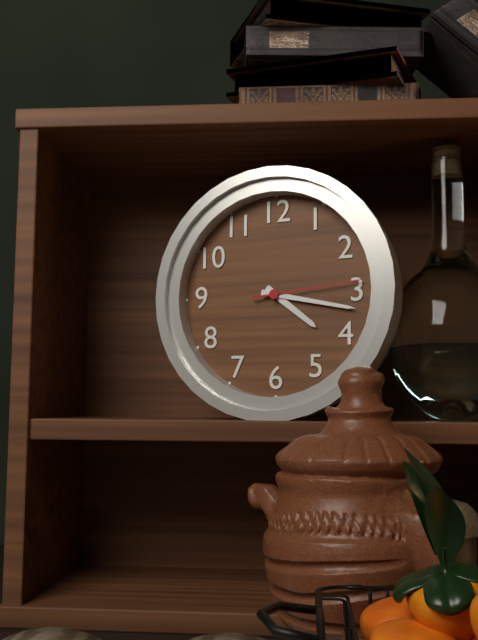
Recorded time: **4:17:14**
